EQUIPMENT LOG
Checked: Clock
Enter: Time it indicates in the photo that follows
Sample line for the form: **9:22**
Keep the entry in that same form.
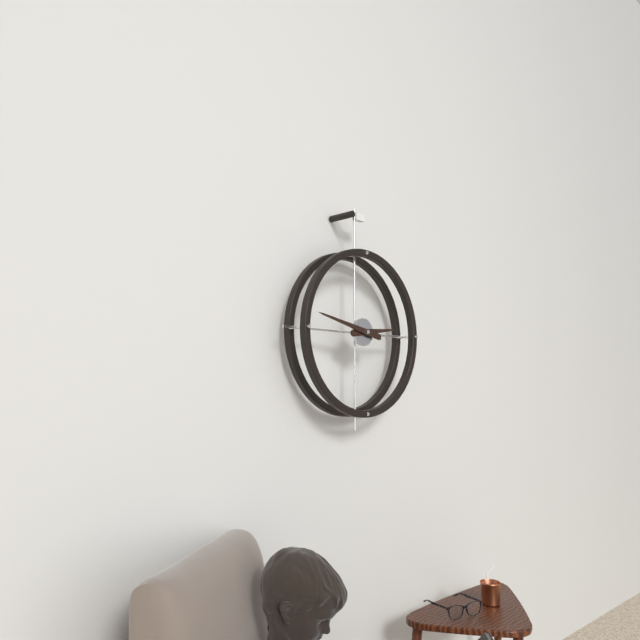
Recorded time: **2:47**
